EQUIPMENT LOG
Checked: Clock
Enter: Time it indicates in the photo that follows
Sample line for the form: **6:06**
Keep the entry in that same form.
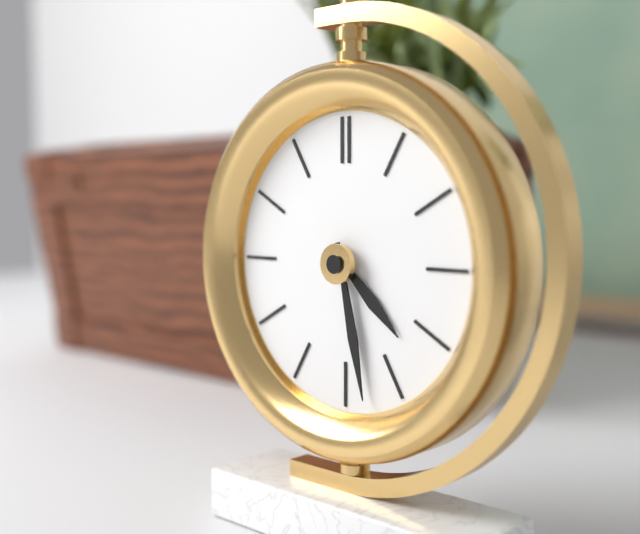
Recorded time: **4:28**
